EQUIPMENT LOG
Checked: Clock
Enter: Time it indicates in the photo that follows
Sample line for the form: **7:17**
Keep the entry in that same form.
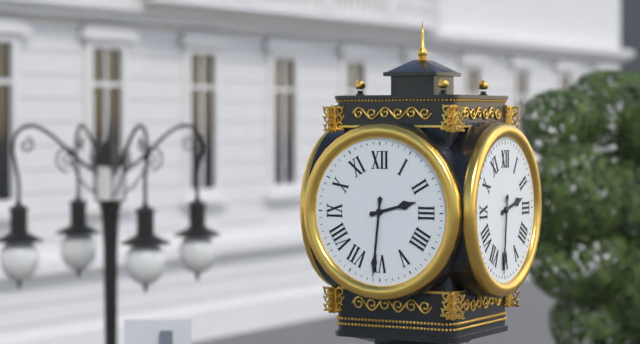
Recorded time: **2:31**
